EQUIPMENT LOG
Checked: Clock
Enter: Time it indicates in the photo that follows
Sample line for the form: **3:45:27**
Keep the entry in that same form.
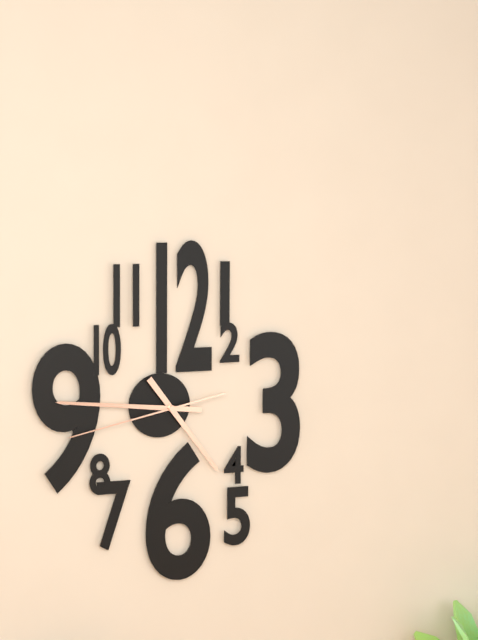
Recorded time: **4:46:43**
